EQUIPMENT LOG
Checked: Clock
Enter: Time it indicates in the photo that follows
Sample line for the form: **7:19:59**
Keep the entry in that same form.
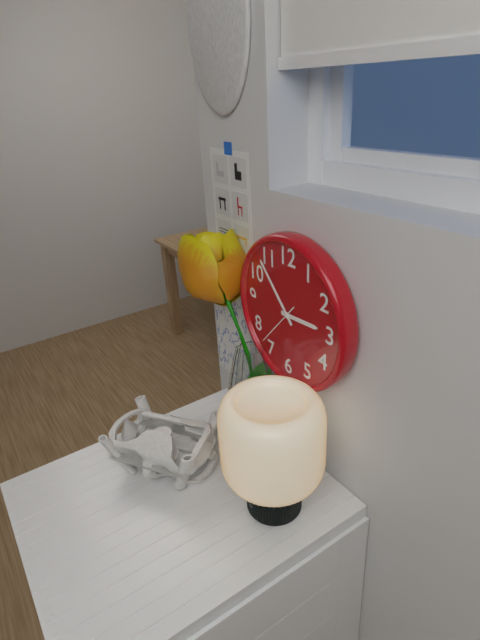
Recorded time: **2:53:37**
